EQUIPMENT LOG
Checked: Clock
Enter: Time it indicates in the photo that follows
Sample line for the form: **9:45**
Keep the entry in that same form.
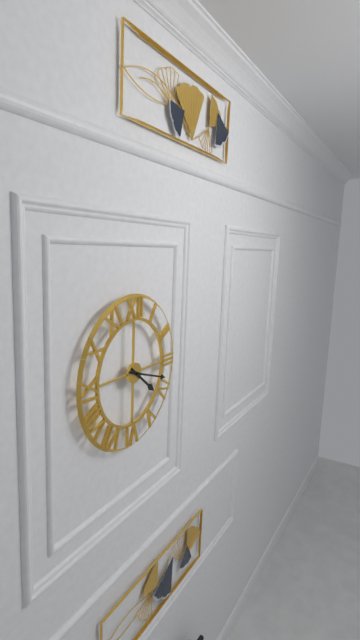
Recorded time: **4:18**
